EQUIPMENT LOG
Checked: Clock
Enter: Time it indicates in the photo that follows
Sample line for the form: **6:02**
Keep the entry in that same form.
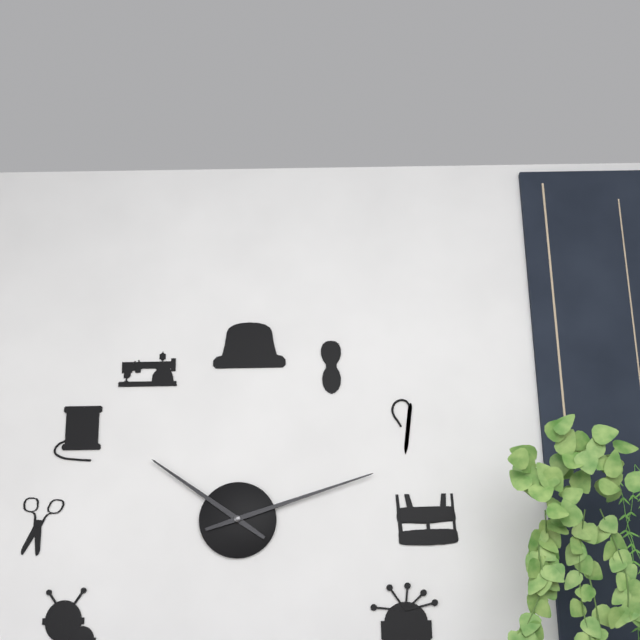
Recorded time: **10:12**
